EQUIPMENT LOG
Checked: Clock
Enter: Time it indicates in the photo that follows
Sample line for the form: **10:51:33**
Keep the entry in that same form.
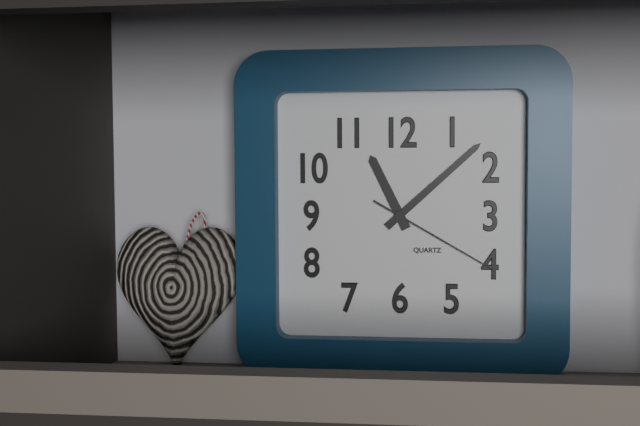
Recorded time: **11:08:20**
